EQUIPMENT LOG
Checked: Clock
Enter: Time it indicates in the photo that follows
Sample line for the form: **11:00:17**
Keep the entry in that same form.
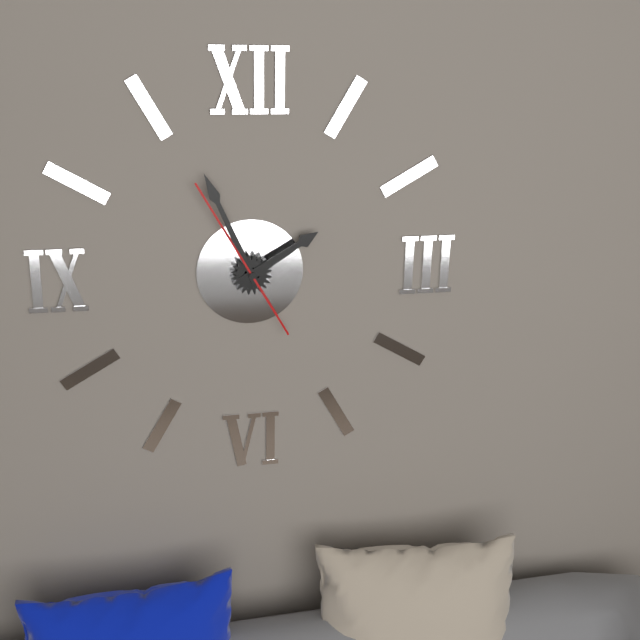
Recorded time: **1:56:55**
